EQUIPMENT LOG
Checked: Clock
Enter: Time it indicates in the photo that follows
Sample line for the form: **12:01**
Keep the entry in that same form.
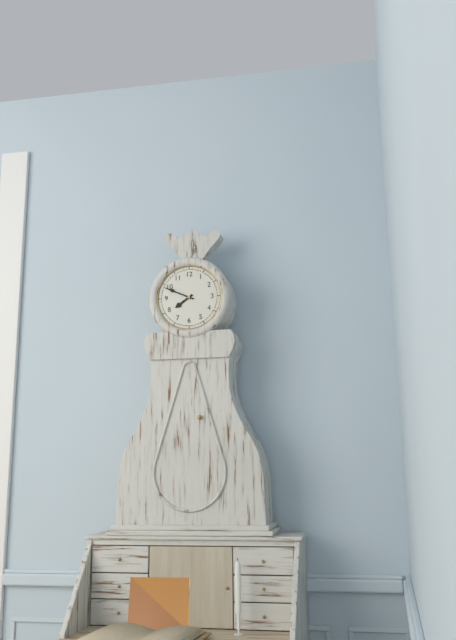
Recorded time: **7:49**
